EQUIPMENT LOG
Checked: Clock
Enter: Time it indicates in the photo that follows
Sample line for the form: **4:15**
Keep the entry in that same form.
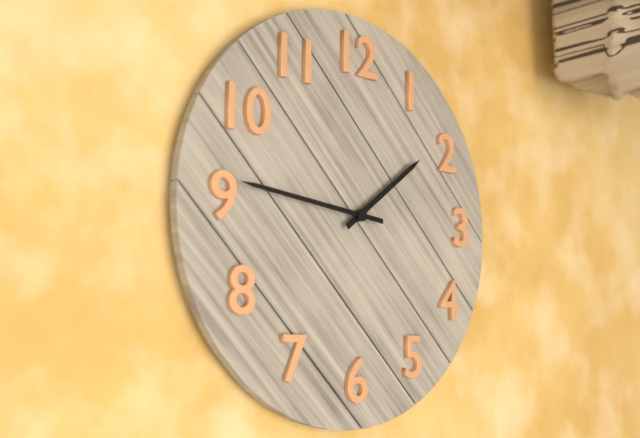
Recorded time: **1:46**
